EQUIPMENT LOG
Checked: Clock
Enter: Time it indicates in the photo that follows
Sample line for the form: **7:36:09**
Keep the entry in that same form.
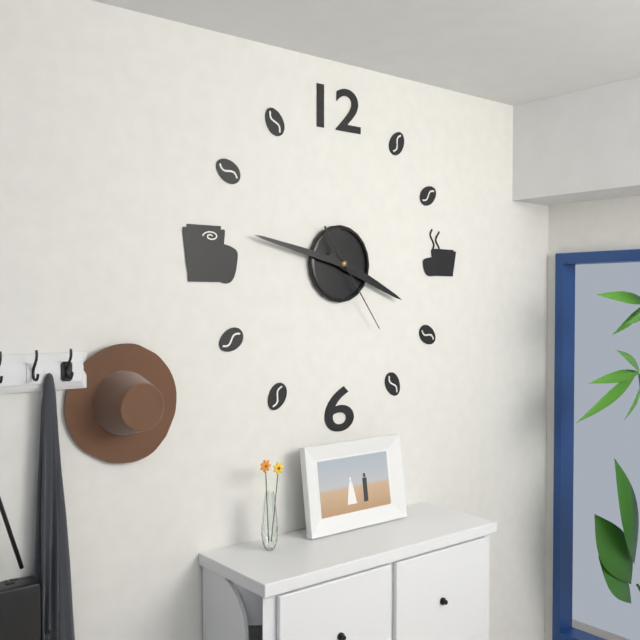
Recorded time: **3:47:24**
